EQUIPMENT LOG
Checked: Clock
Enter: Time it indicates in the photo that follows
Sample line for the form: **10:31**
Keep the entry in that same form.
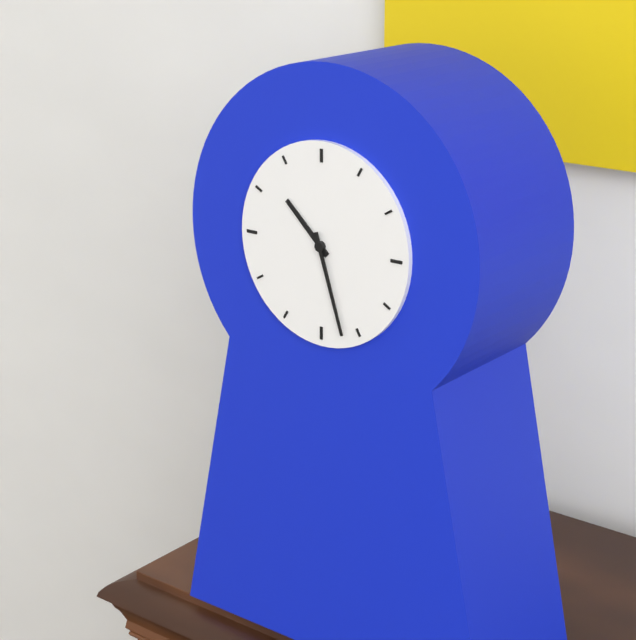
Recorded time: **10:27**
